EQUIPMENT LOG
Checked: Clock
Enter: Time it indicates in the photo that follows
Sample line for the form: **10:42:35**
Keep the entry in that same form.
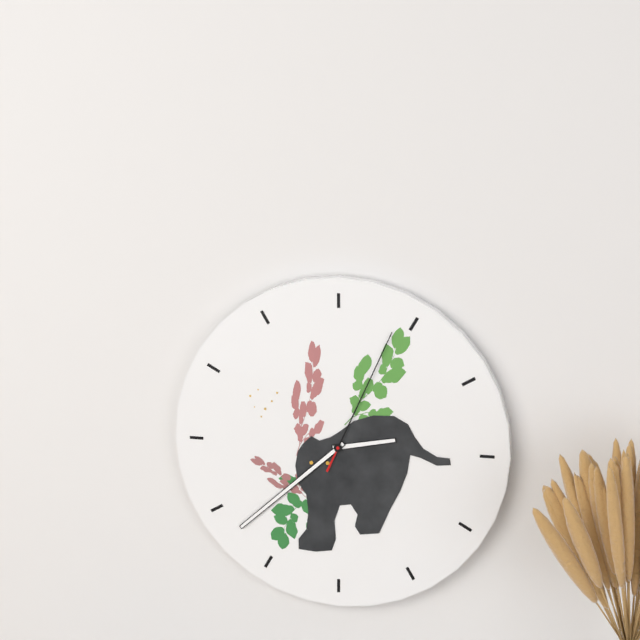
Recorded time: **2:38:04**
